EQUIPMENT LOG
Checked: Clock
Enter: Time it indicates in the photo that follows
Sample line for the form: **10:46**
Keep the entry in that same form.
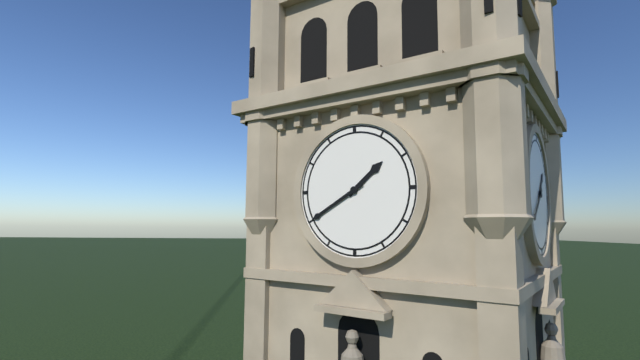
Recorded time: **1:40**
